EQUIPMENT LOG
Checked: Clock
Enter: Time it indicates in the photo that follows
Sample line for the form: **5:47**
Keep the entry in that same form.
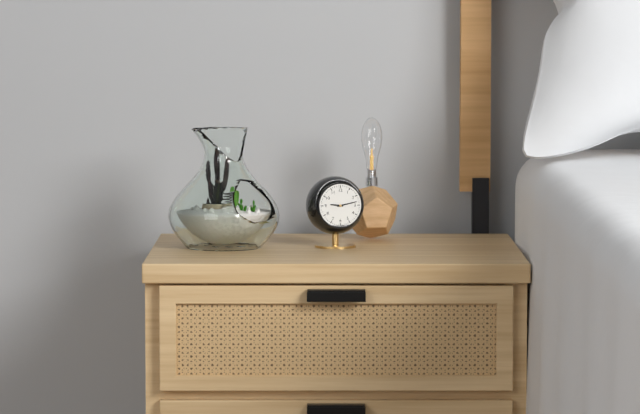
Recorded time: **9:13**
